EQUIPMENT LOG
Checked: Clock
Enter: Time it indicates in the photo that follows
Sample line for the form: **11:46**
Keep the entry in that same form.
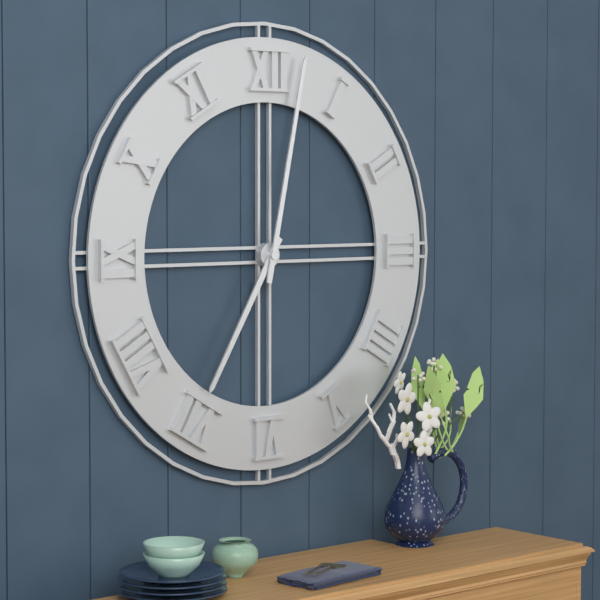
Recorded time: **7:02**
